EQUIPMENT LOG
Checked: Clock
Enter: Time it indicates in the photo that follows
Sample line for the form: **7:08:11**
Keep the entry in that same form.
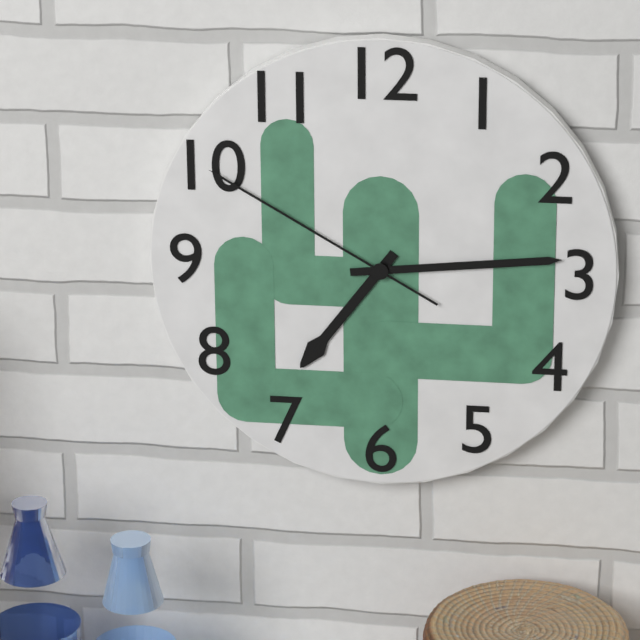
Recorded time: **7:14:50**
